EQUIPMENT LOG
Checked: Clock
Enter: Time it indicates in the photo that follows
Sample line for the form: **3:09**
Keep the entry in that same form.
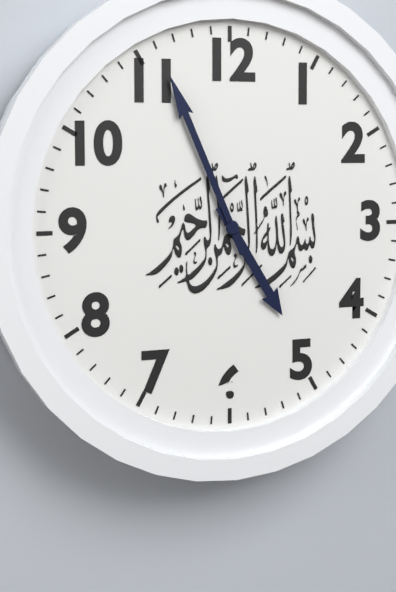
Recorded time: **4:56**
